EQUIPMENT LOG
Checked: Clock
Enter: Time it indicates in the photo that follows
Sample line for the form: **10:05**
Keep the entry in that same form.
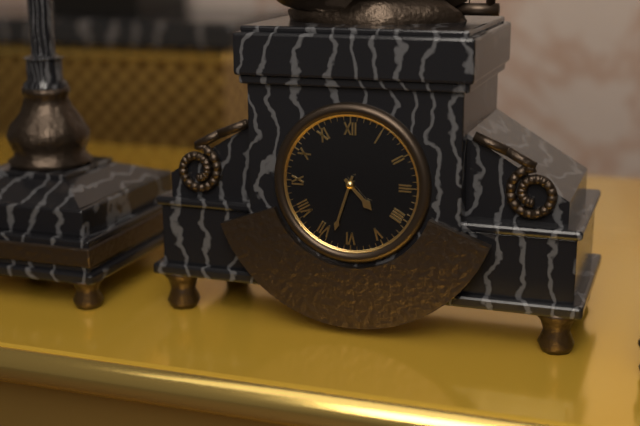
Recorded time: **4:33**
